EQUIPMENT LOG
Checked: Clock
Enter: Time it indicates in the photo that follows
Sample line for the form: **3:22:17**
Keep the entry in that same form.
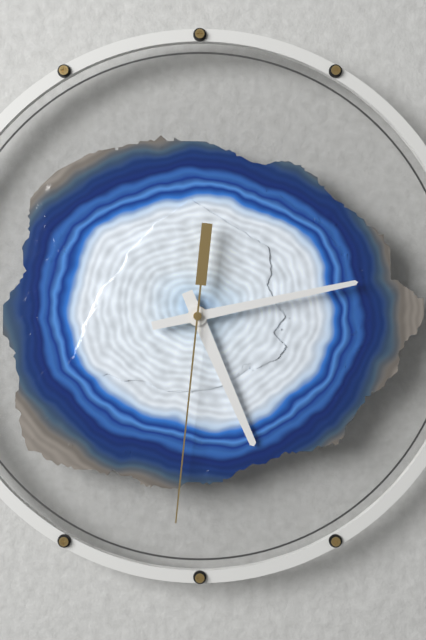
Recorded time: **5:13:31**
